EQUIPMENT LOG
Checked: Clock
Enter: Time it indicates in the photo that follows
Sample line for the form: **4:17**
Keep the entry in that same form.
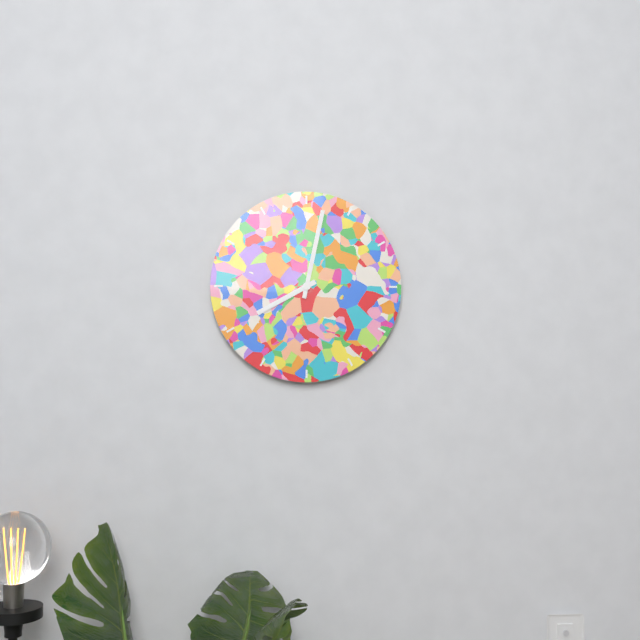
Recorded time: **8:02**
